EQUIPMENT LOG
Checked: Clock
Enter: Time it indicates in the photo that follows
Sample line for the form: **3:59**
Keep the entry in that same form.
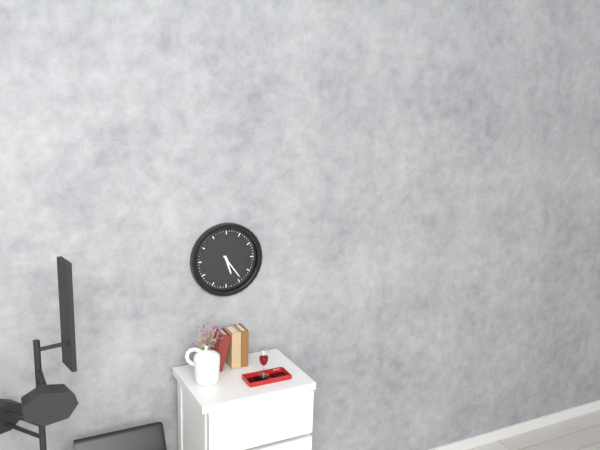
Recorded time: **5:24**
